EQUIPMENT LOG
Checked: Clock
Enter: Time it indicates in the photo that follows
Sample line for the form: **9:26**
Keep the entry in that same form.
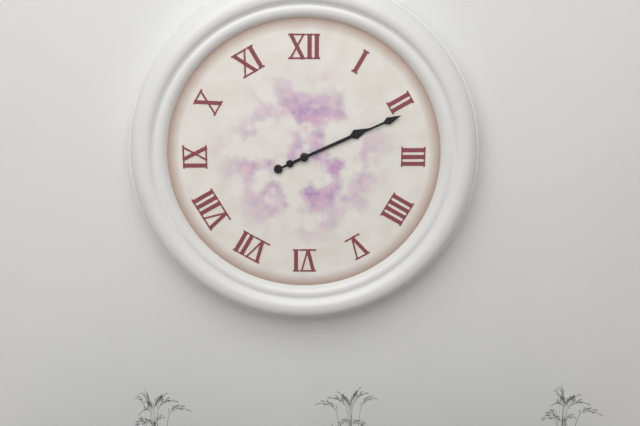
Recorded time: **2:11**
